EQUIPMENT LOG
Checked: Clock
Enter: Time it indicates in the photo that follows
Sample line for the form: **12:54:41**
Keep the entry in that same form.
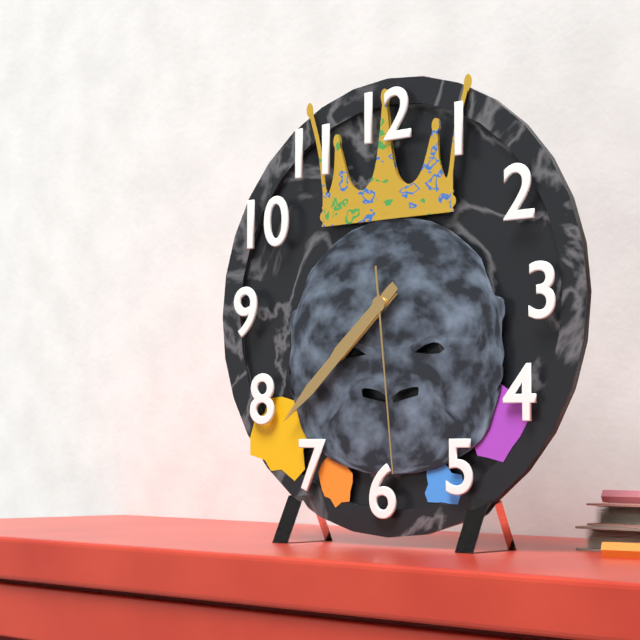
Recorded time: **7:38:29**
